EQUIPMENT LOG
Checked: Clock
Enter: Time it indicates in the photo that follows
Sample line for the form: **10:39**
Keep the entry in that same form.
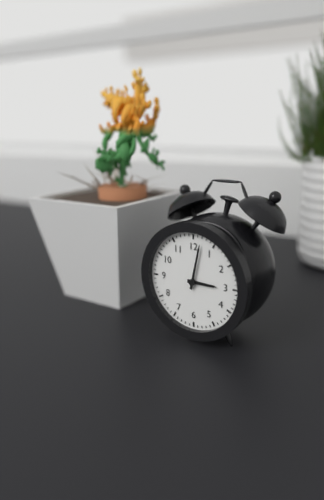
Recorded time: **3:02**
